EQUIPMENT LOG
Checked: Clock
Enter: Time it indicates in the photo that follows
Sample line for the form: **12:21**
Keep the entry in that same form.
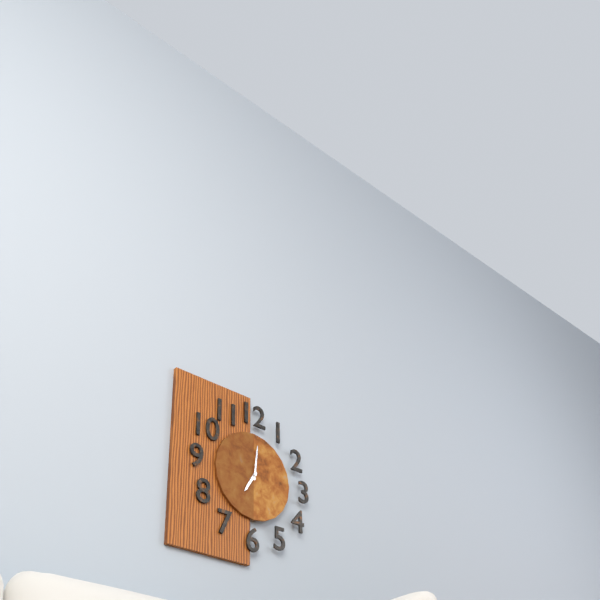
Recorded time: **7:01**
